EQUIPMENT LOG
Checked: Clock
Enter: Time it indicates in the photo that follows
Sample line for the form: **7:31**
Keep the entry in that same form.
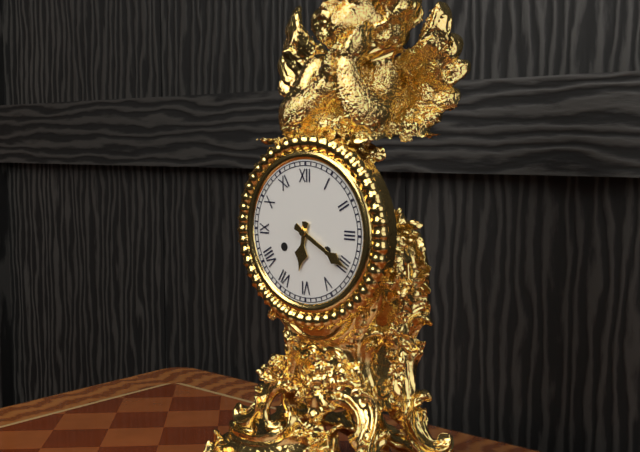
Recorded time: **6:20**
